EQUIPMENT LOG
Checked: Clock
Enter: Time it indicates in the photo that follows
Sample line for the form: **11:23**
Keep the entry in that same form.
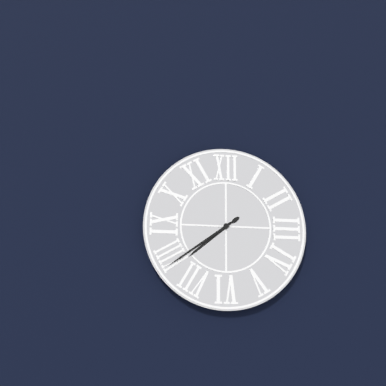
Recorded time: **7:39**
